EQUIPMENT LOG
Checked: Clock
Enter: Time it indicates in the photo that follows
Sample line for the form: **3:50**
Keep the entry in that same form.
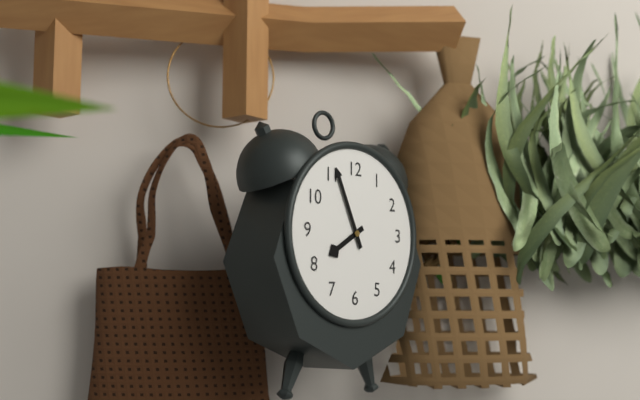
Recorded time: **7:56**
